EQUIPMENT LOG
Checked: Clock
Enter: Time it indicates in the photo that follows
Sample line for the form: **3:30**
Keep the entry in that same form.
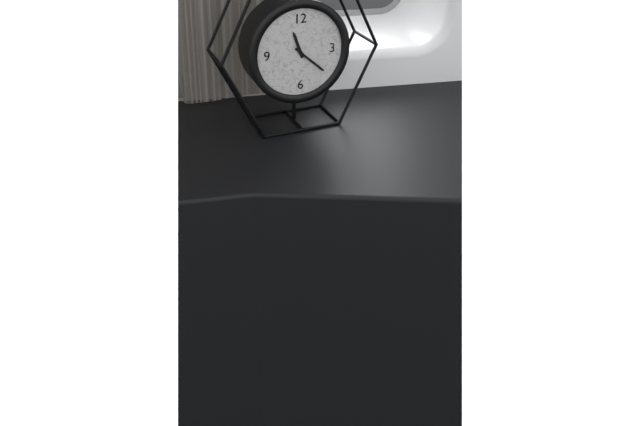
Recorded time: **11:22**
